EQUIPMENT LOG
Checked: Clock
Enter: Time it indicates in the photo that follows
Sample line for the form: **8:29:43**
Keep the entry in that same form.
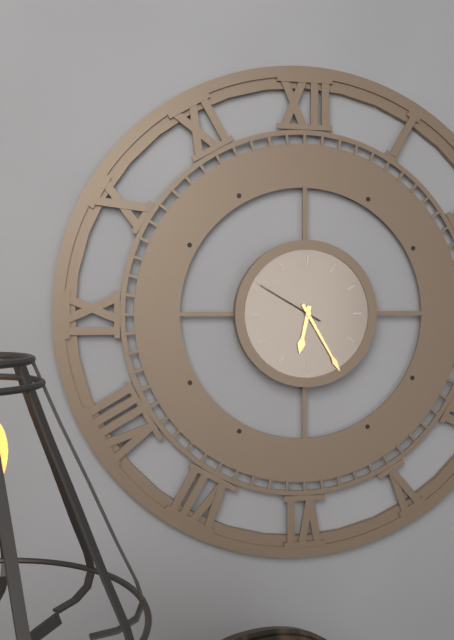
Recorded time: **6:25:50**
